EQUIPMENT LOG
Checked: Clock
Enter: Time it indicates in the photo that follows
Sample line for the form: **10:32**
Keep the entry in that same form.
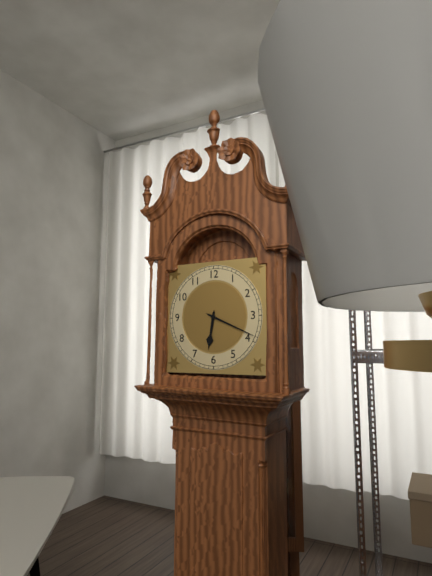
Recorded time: **6:19**
